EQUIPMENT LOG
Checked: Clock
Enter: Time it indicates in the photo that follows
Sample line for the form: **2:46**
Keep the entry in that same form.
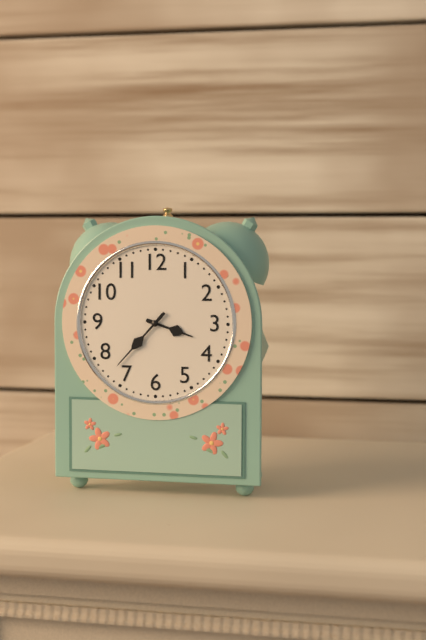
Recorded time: **3:37**
